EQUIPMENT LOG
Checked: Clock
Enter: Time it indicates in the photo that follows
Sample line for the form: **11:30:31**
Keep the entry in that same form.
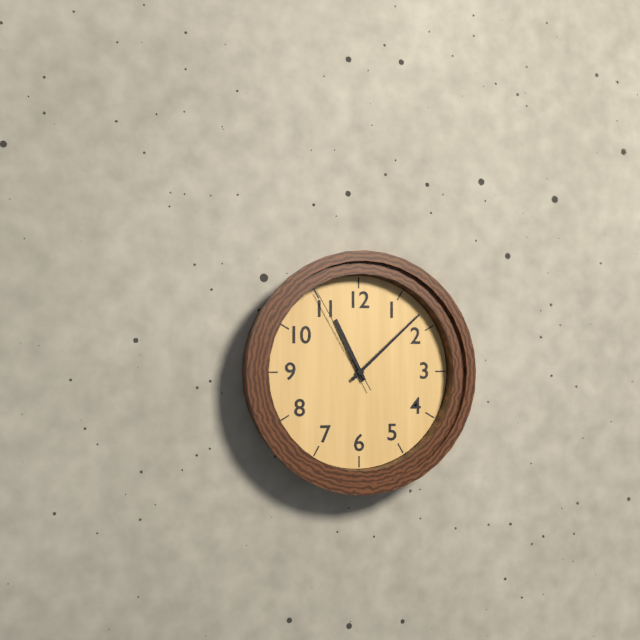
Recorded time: **11:08:55**
